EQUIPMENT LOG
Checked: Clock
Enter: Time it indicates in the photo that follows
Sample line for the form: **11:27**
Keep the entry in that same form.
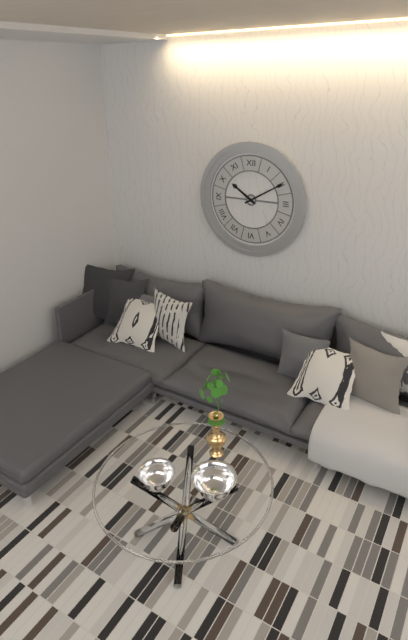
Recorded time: **10:10**
